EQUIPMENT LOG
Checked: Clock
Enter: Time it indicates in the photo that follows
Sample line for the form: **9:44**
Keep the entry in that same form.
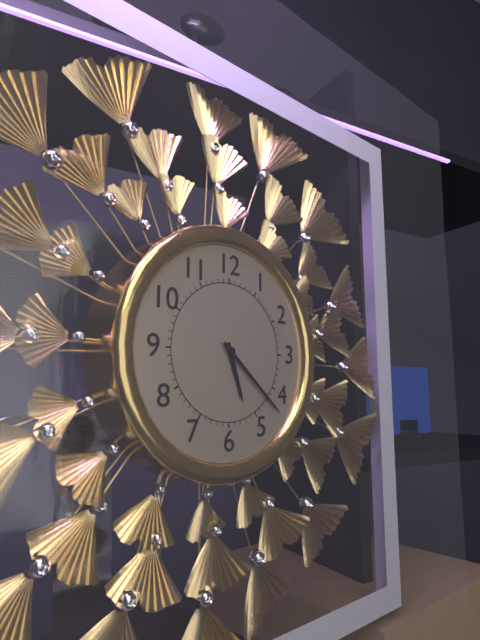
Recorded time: **5:22**
